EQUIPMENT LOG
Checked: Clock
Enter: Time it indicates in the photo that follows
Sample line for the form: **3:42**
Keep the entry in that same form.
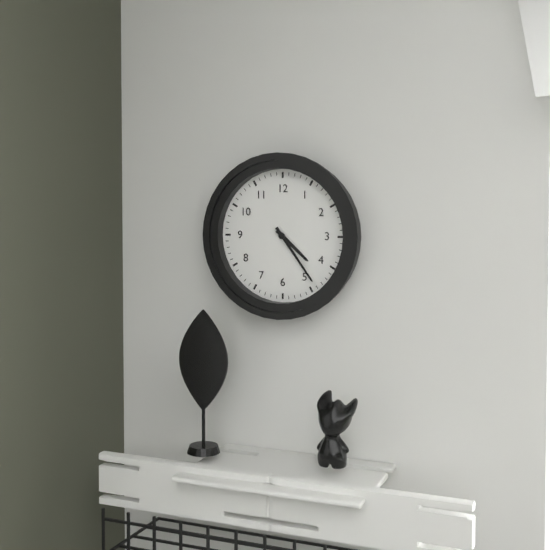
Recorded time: **4:24**
